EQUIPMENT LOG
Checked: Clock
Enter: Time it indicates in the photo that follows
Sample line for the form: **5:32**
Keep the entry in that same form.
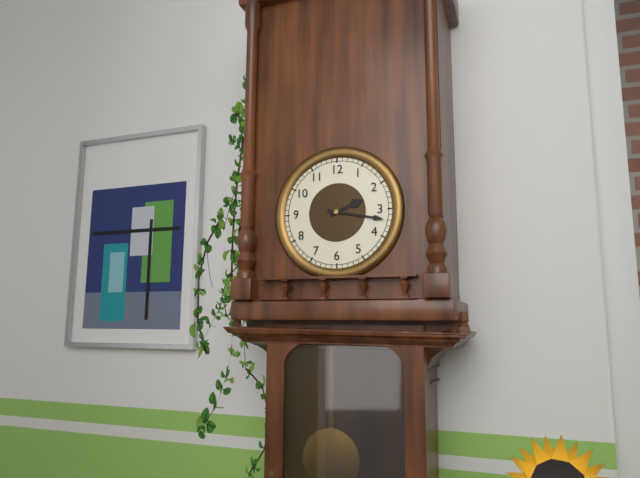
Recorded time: **2:17**
